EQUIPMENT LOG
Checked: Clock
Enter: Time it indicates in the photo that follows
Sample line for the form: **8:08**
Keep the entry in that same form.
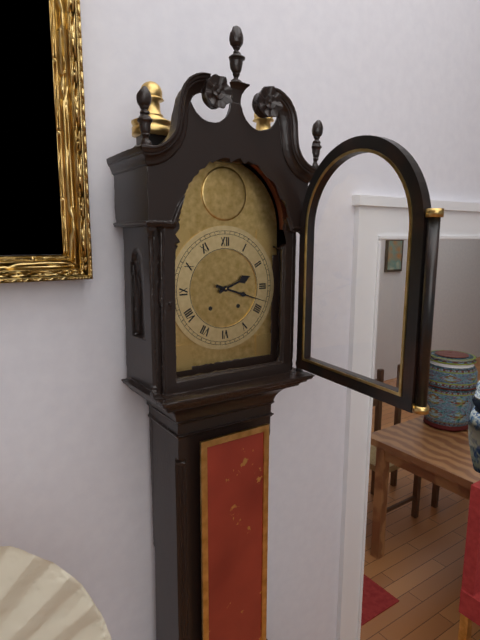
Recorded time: **2:18**
